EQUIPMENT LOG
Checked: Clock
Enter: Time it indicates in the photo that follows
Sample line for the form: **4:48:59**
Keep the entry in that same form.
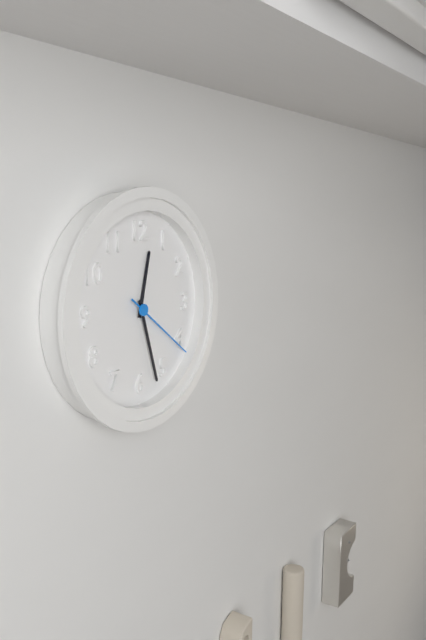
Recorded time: **12:27:21**
